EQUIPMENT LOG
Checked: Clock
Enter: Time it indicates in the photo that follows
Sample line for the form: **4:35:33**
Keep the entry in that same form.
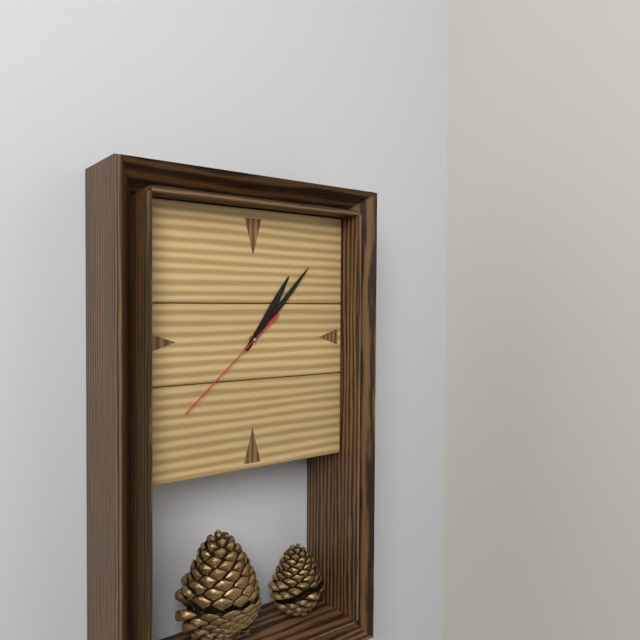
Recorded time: **1:07:38**
